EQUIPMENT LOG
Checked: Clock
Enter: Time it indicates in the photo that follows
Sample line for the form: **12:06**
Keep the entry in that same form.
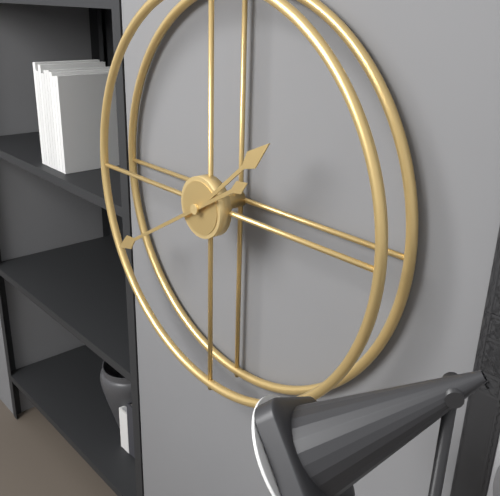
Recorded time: **1:40**
